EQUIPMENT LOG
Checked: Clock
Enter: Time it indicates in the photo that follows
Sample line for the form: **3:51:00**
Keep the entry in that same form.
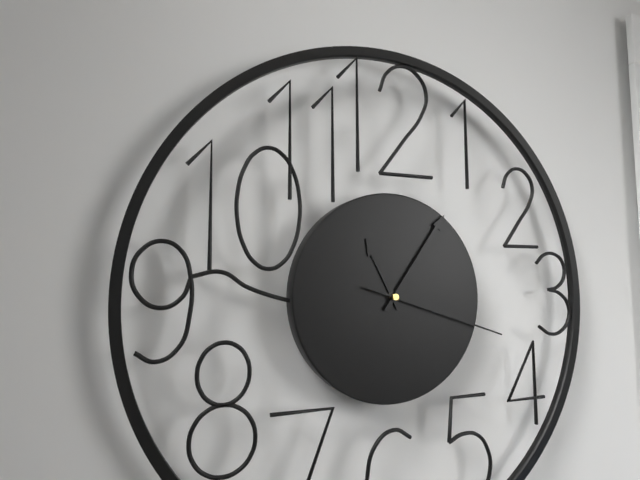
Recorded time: **11:06:18**
